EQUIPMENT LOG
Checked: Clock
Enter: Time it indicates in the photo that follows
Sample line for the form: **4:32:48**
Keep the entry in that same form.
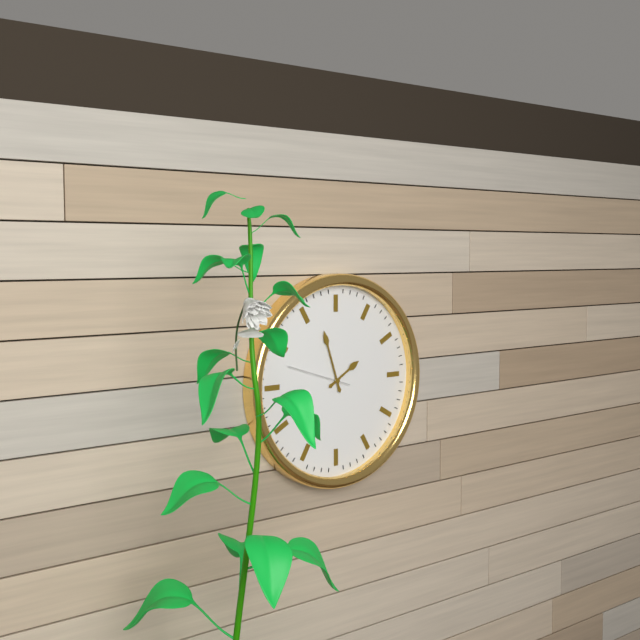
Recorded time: **1:57:48**
